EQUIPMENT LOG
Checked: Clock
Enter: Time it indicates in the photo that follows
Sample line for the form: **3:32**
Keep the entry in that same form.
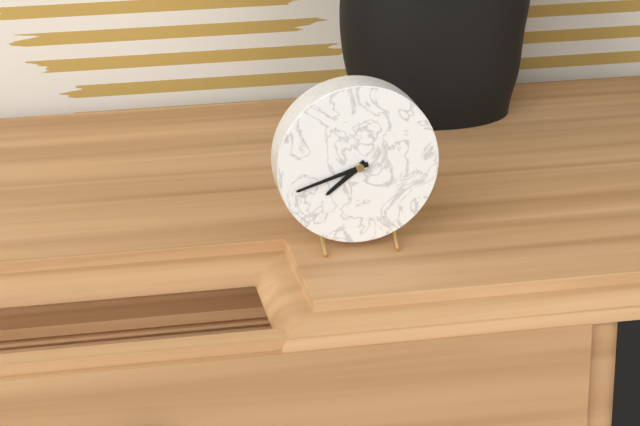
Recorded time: **7:42**
